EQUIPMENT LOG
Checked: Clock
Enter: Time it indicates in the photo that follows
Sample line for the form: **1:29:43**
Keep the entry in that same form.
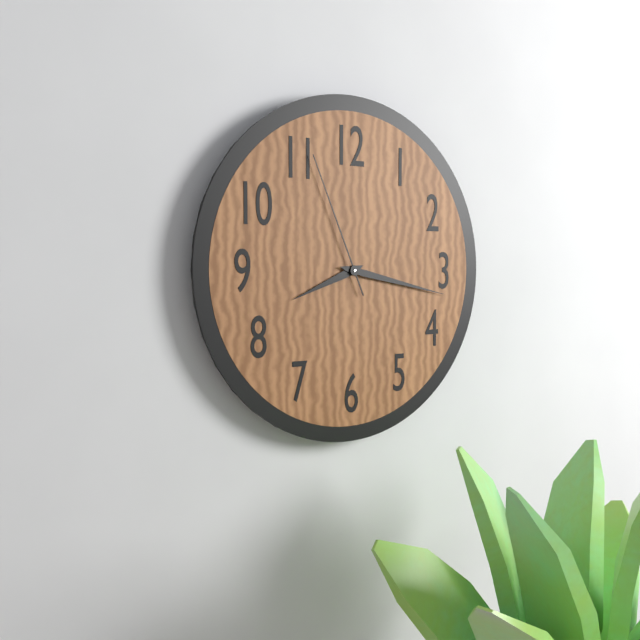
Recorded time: **8:17:56**
